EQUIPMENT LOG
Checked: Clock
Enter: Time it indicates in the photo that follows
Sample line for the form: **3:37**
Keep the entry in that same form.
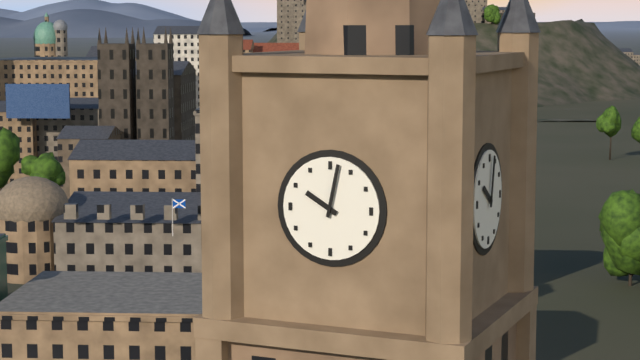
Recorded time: **10:02**
